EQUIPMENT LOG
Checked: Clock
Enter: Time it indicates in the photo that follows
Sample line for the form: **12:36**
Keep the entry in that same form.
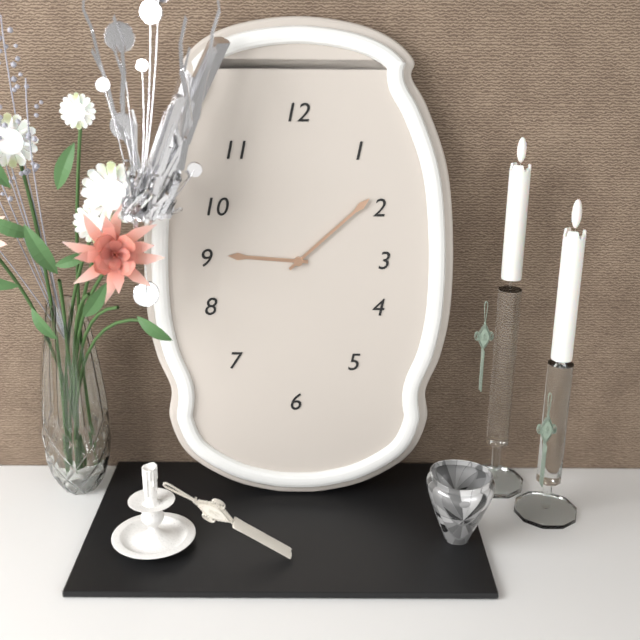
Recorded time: **9:08**
